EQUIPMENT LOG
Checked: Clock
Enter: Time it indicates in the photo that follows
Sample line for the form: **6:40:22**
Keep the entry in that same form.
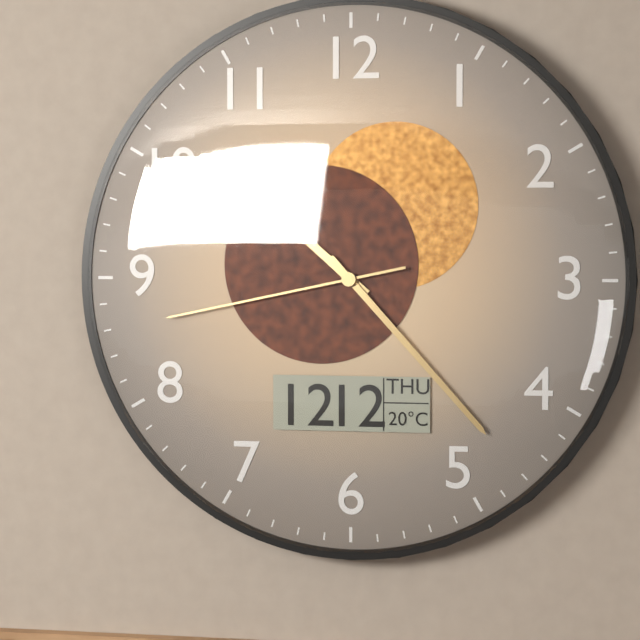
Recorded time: **10:23:43**
